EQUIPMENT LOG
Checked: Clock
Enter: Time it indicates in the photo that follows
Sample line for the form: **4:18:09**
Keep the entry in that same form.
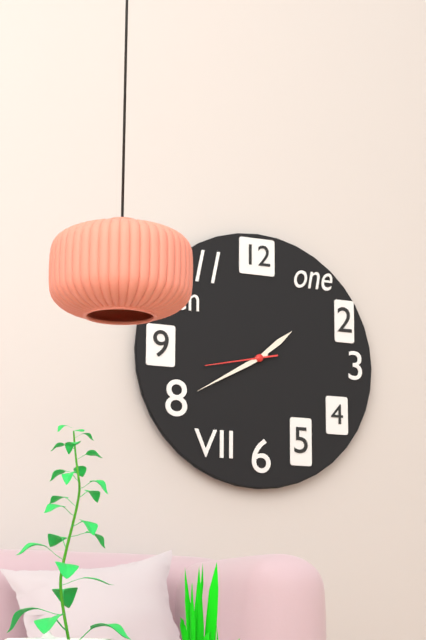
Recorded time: **1:40:43**
